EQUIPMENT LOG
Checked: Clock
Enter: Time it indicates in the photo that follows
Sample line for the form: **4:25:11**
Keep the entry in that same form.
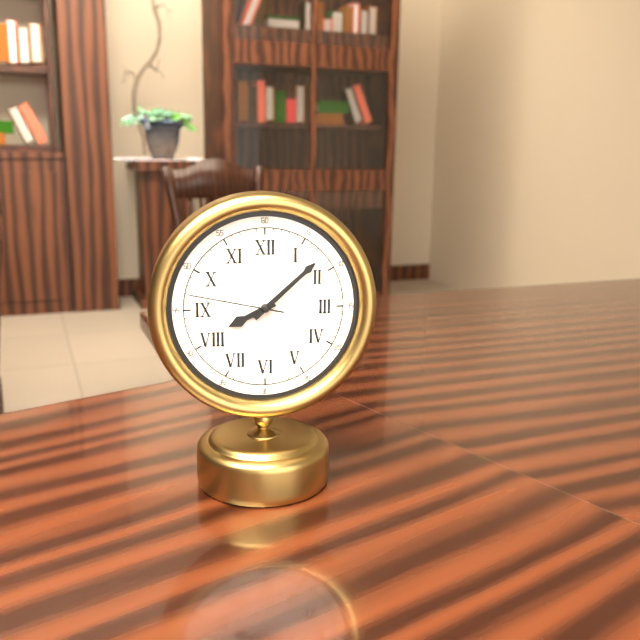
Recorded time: **8:08:47**
